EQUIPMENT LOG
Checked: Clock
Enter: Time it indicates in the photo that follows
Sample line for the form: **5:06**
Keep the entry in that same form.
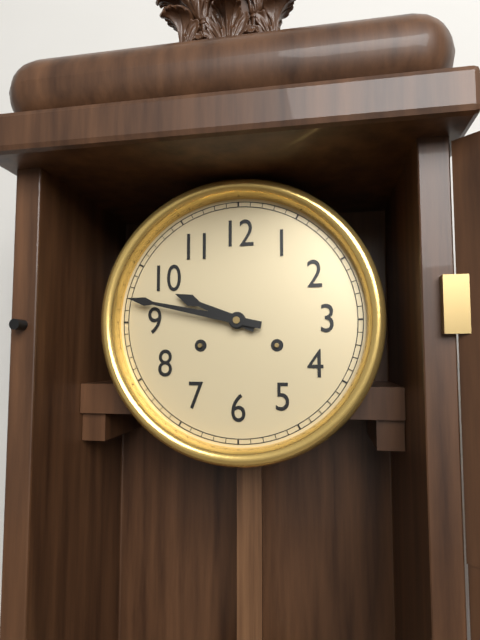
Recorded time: **9:47**
